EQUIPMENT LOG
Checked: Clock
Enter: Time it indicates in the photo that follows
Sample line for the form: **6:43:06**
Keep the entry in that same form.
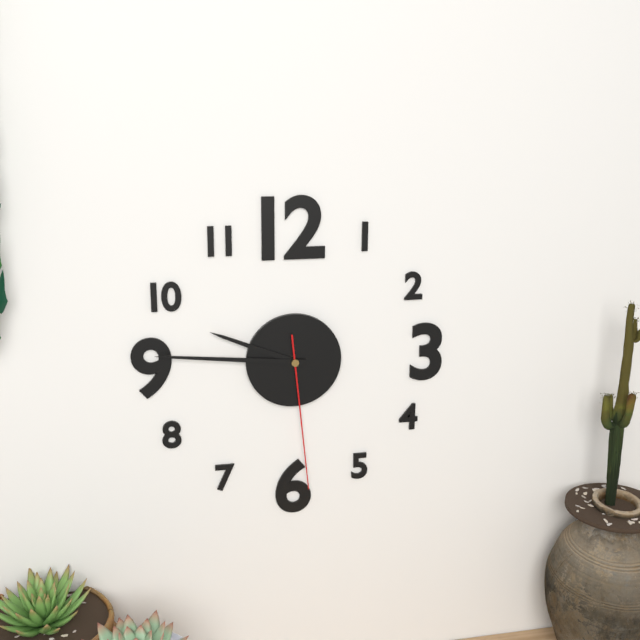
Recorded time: **9:46:29**
